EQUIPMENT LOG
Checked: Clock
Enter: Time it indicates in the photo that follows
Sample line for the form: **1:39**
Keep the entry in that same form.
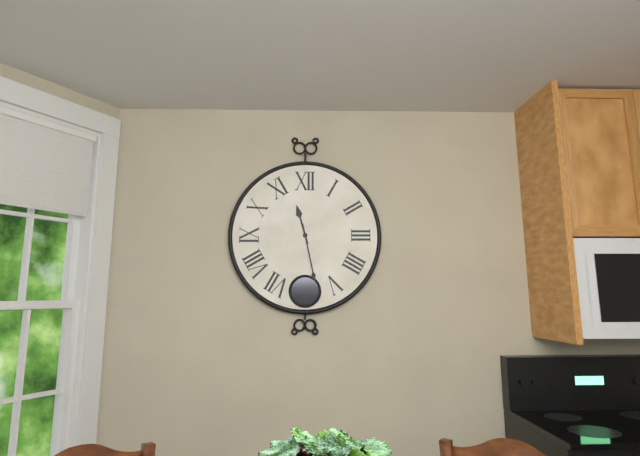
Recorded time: **11:28**
